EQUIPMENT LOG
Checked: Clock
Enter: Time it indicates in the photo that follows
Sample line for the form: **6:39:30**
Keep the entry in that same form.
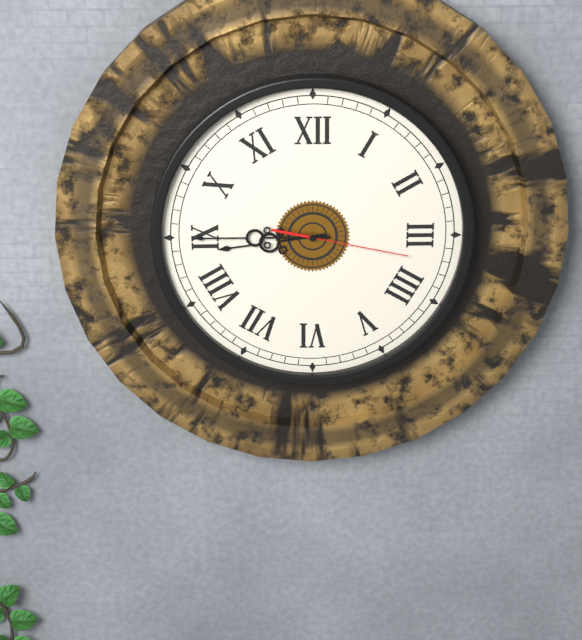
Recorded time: **8:45:17**
